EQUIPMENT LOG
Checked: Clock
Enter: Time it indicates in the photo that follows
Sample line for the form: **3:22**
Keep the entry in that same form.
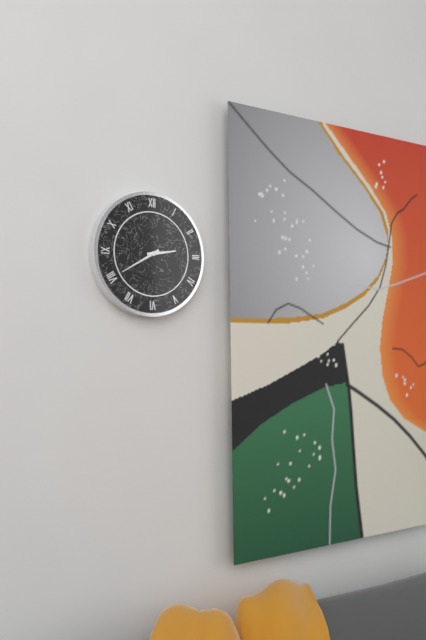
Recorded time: **2:40**
